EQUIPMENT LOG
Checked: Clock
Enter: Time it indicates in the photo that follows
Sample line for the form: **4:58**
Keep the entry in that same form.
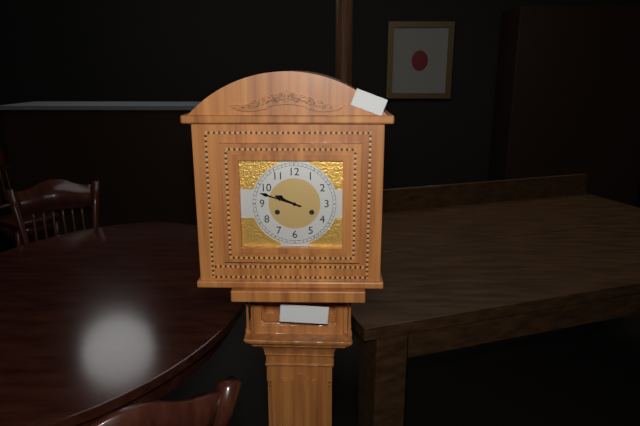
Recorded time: **9:48**
